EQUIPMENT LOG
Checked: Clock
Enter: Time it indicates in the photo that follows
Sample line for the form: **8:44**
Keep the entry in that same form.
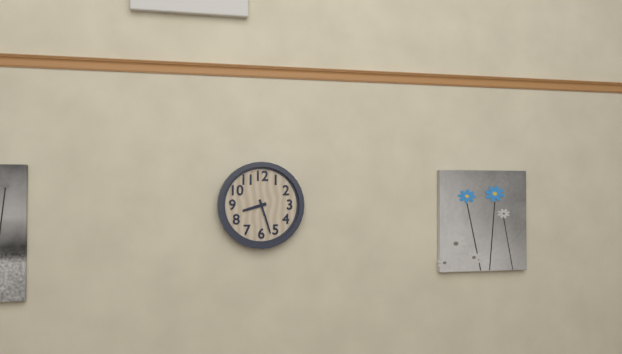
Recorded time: **8:27**
